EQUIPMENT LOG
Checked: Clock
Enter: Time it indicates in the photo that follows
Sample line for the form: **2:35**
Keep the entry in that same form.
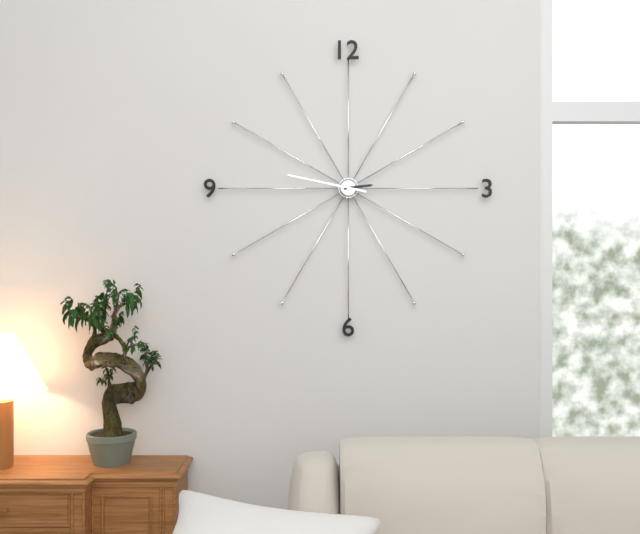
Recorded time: **2:47**
